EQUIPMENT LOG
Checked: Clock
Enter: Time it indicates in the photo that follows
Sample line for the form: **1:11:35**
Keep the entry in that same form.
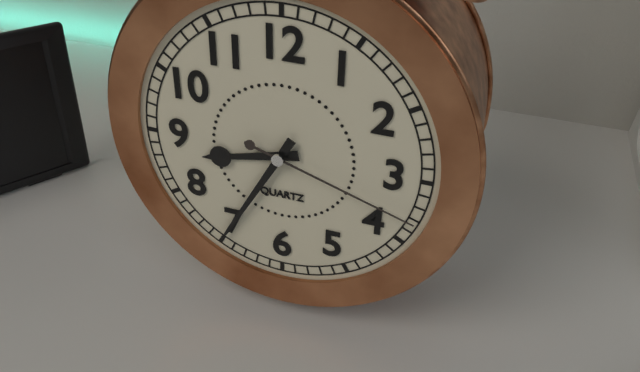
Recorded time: **8:35:18**
